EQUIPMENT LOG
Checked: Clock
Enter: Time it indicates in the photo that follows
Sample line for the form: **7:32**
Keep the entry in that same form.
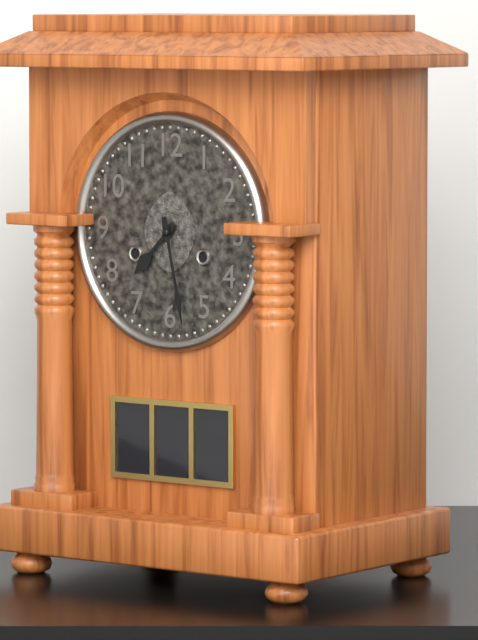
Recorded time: **7:28**
